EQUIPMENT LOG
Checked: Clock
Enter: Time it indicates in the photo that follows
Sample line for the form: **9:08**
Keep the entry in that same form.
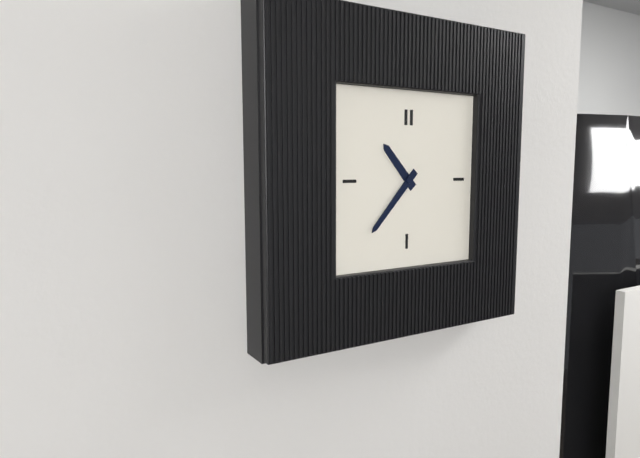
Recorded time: **10:37**
